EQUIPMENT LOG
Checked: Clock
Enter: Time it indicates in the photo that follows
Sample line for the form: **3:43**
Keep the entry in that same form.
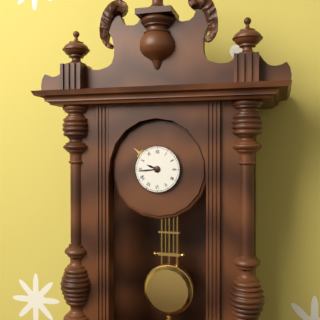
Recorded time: **9:44**
